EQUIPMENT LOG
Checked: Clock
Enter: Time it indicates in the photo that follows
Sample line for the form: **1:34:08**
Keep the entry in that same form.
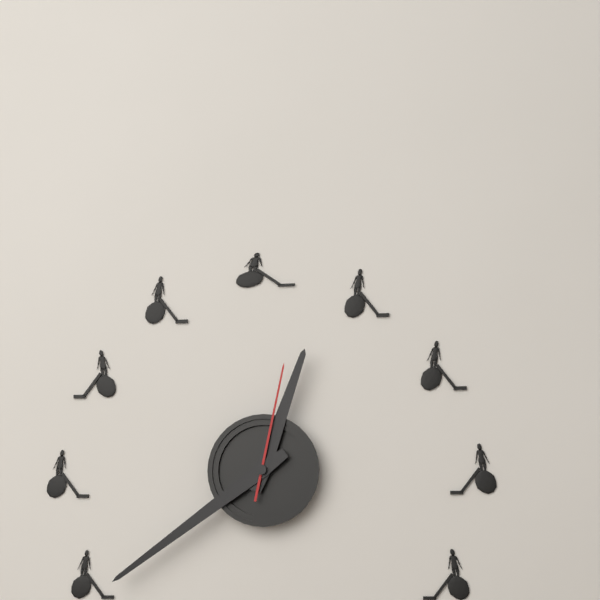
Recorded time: **12:39:02**
